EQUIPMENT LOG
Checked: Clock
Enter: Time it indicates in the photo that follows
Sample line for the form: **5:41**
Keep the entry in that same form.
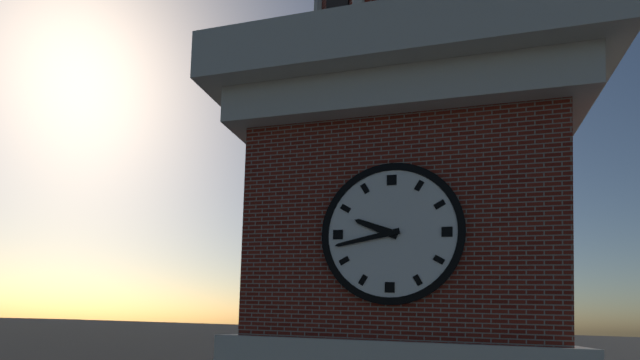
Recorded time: **9:43**
